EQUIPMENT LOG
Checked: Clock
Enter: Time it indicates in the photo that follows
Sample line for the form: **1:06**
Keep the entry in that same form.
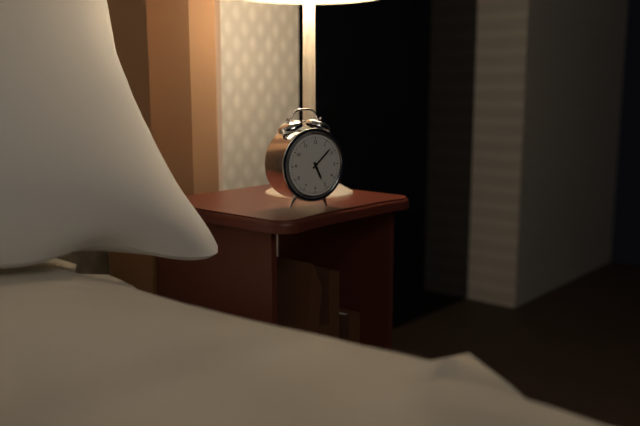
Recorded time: **5:08**
